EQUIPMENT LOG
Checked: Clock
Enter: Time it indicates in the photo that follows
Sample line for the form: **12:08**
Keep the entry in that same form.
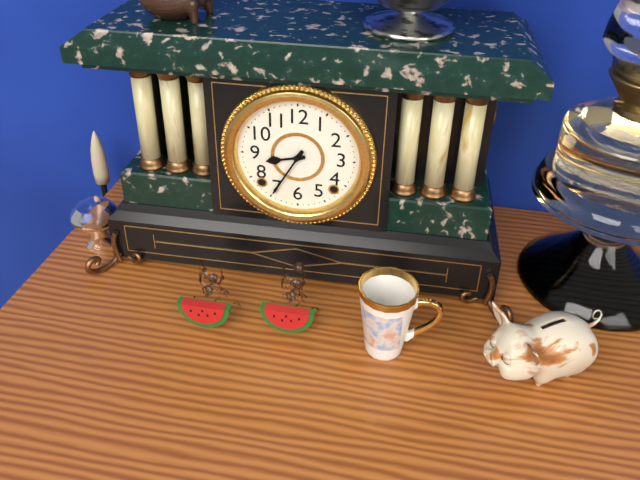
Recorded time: **8:35**
